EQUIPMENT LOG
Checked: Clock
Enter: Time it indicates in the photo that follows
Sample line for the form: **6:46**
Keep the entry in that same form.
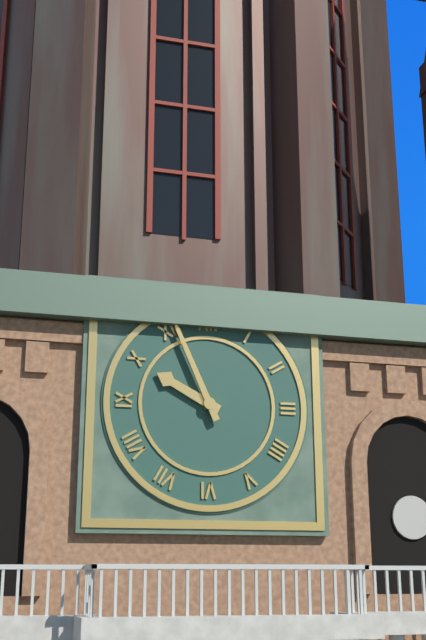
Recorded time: **9:56**
